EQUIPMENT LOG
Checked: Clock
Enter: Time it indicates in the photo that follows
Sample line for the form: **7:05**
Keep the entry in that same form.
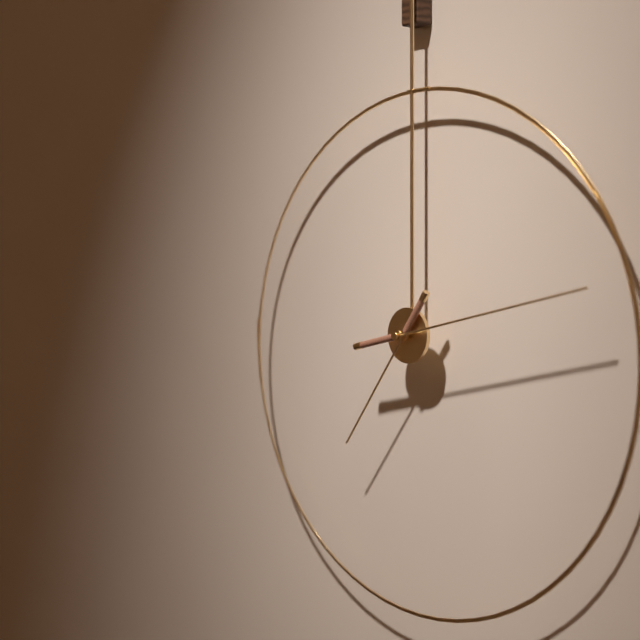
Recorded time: **7:13**
